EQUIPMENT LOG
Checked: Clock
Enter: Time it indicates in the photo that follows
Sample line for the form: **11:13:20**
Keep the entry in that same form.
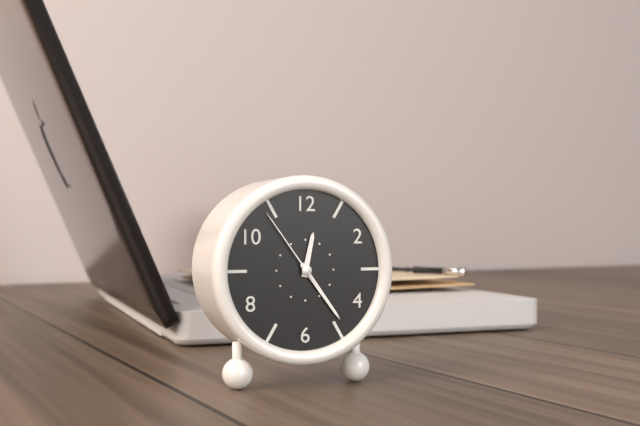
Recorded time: **12:24:54**
